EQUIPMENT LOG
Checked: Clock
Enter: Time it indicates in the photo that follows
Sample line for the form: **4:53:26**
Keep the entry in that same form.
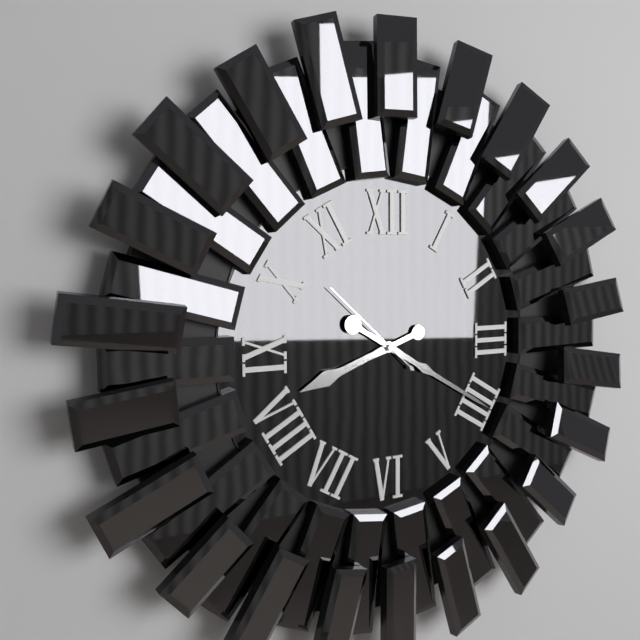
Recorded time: **8:20:52**
